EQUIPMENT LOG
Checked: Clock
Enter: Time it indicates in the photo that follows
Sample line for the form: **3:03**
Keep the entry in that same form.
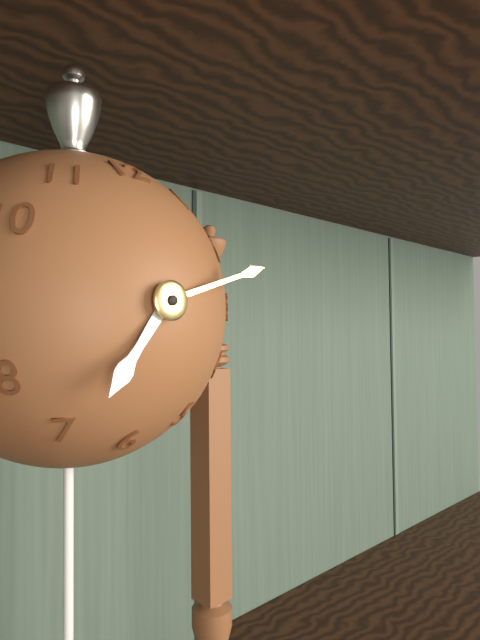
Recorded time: **7:12**
